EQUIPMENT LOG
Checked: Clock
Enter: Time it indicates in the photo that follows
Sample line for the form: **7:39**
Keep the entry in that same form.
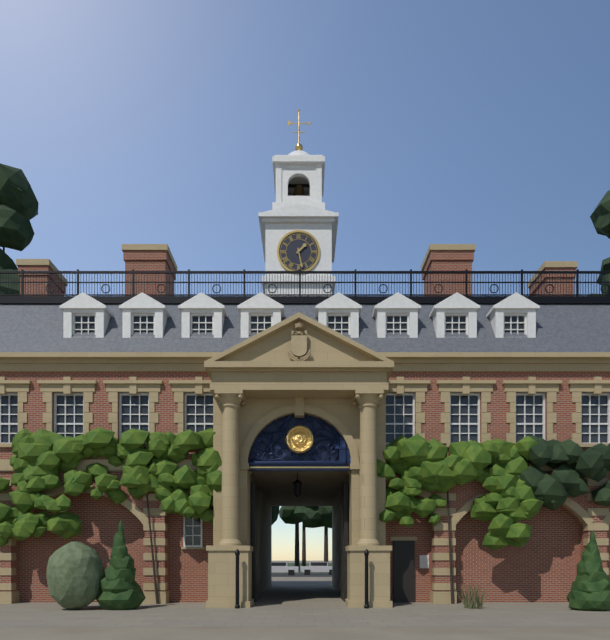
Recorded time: **1:28**
